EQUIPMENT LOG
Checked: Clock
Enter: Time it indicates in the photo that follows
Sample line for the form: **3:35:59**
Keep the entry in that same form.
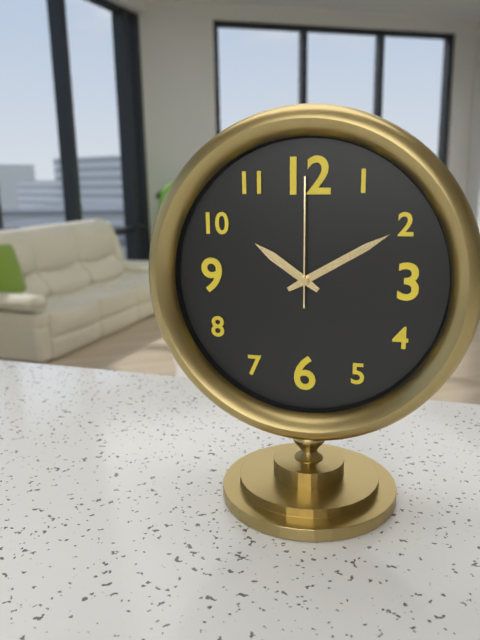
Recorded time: **10:10:00**
